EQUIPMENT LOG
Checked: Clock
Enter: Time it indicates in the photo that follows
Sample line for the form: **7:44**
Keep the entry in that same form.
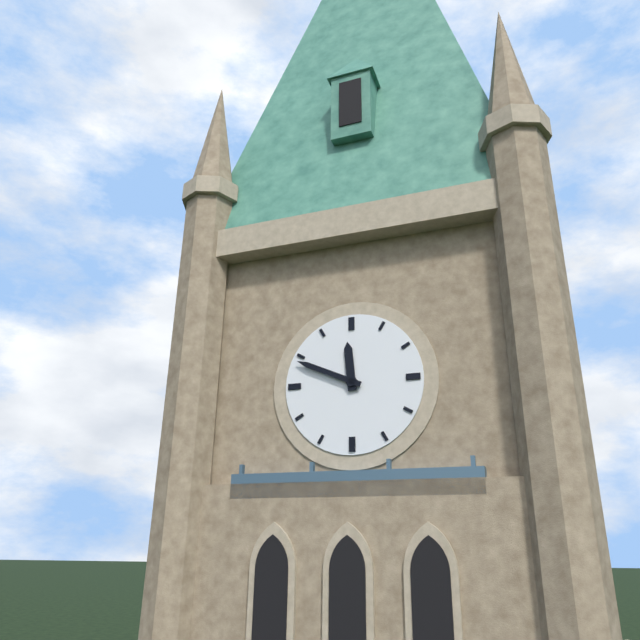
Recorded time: **11:49**
